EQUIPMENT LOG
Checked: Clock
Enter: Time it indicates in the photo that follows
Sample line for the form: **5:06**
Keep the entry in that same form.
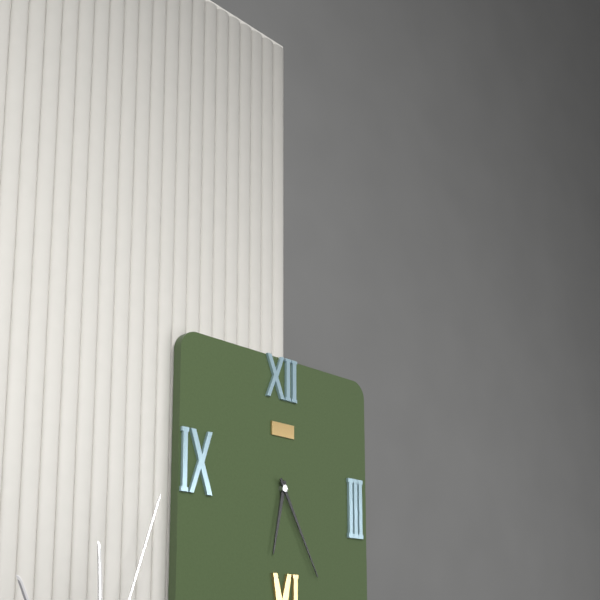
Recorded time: **6:25**
